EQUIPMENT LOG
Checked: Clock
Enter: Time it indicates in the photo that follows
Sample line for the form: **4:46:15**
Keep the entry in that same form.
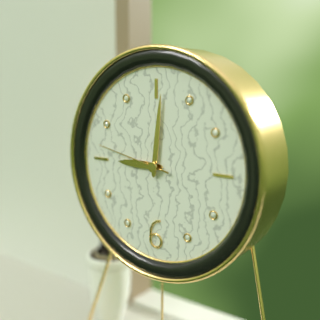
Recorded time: **9:01:47**
